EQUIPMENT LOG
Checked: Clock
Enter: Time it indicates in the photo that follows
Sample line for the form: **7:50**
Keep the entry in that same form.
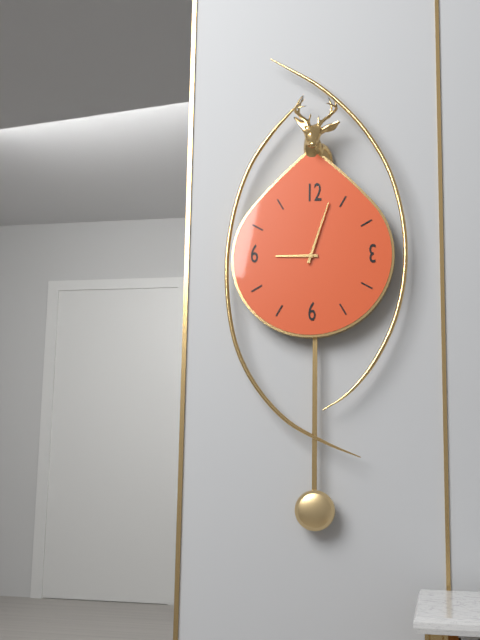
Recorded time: **9:03**
